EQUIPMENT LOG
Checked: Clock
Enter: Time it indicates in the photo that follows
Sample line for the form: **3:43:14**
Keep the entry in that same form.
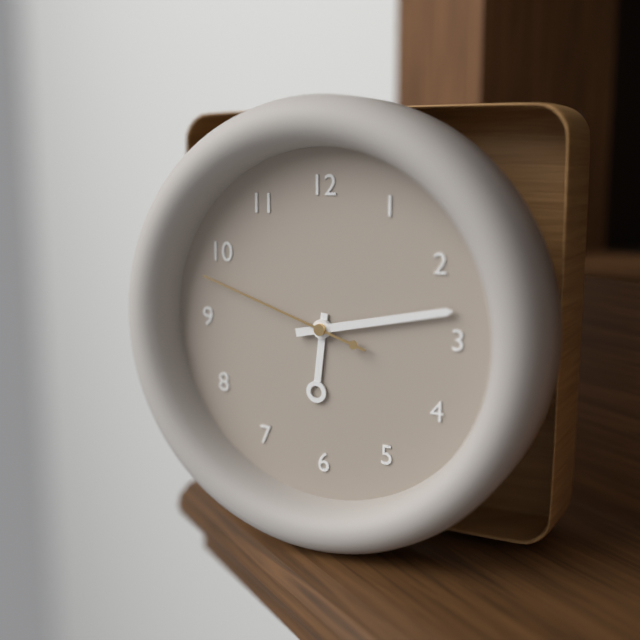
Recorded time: **6:13:48**
